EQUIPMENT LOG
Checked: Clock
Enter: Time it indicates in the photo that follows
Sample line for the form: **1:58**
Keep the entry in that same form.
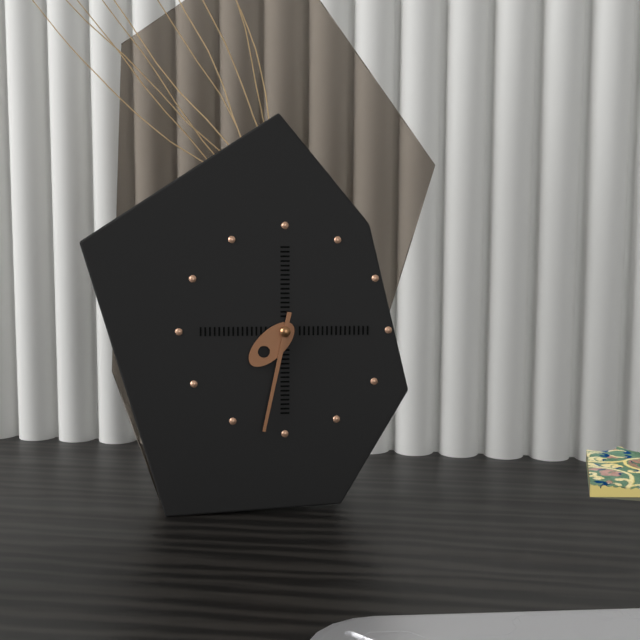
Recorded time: **7:32**
